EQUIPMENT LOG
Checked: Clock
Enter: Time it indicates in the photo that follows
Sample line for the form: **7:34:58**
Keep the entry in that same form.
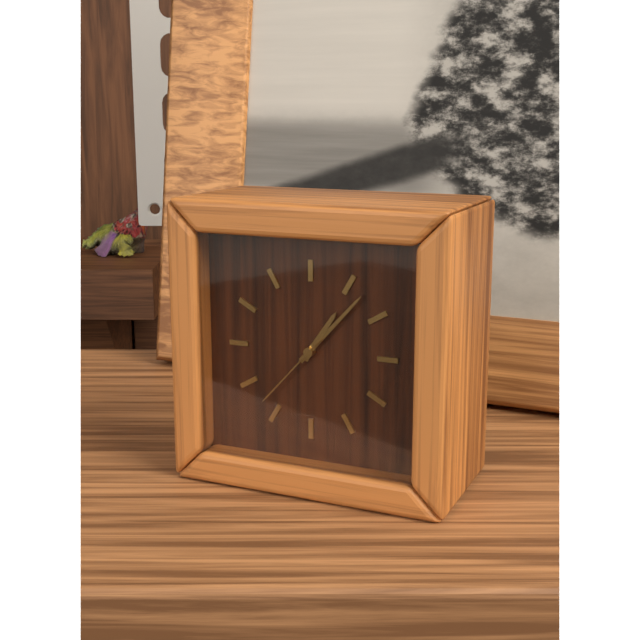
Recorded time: **1:07:37**
